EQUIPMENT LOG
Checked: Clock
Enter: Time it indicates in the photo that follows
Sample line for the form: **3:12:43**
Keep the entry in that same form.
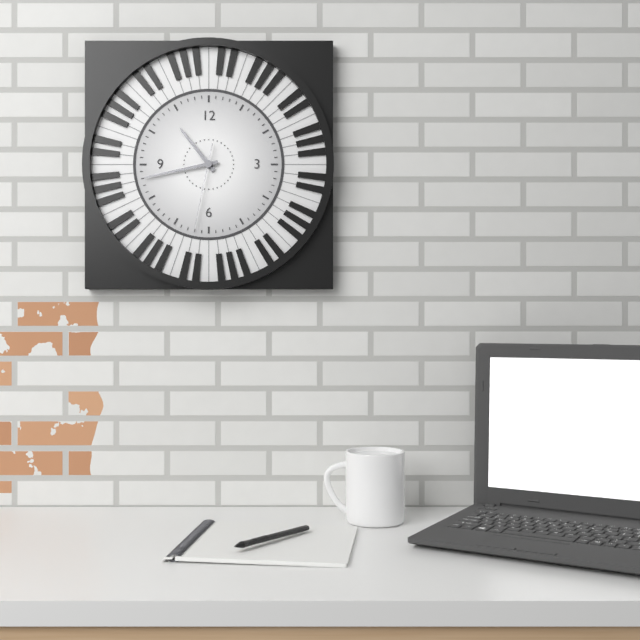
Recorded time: **10:43:32**
